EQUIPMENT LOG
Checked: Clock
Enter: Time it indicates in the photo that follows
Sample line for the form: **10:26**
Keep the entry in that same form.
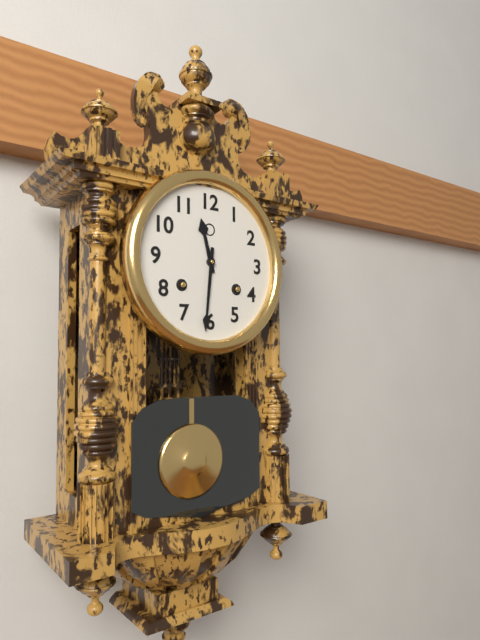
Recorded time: **11:31**
